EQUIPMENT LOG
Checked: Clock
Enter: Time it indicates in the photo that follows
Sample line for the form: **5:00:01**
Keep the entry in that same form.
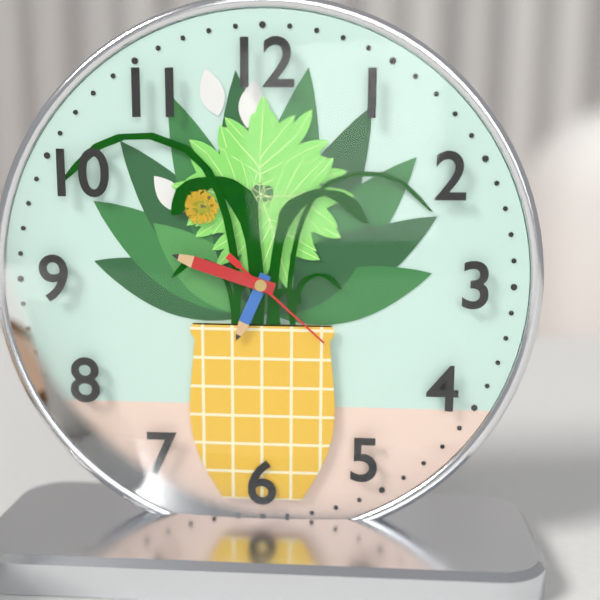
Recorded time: **6:48:22**
